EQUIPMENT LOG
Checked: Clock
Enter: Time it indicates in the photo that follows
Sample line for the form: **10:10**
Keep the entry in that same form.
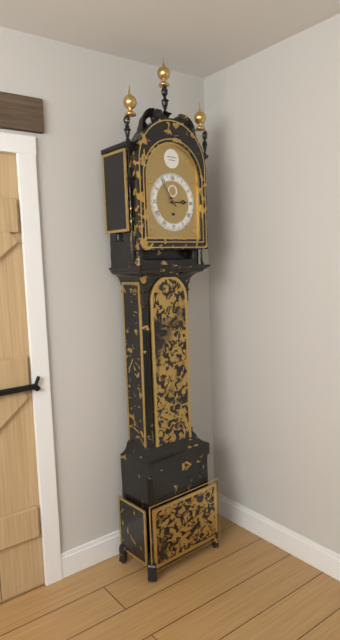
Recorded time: **2:54**
